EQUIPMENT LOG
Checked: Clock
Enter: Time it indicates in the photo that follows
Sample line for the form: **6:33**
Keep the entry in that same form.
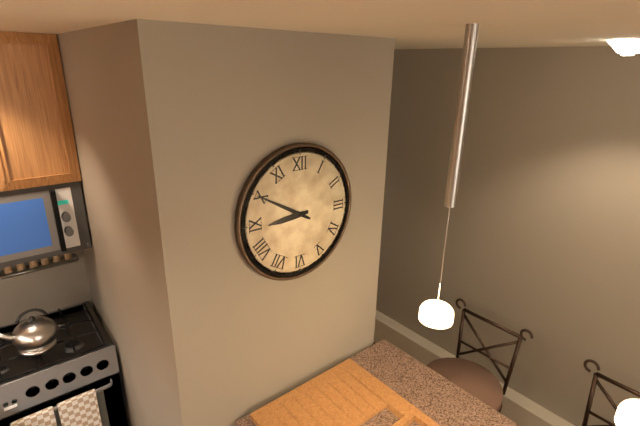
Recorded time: **8:50**
